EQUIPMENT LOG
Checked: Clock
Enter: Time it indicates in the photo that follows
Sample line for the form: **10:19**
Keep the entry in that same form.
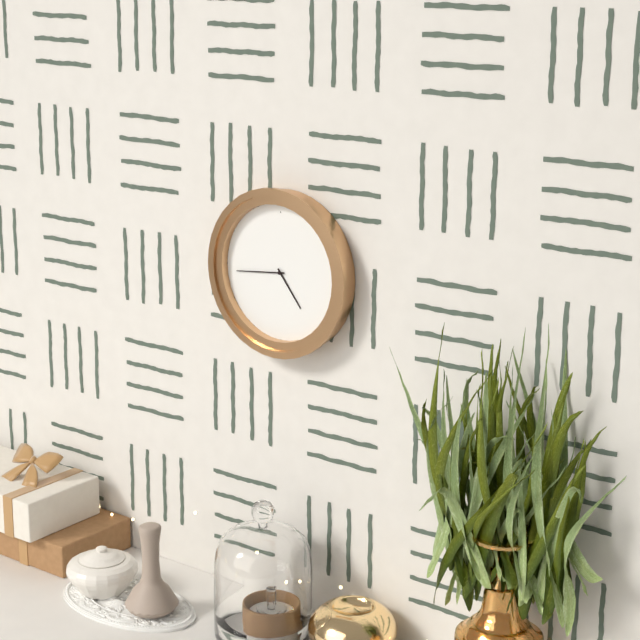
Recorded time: **4:44**
